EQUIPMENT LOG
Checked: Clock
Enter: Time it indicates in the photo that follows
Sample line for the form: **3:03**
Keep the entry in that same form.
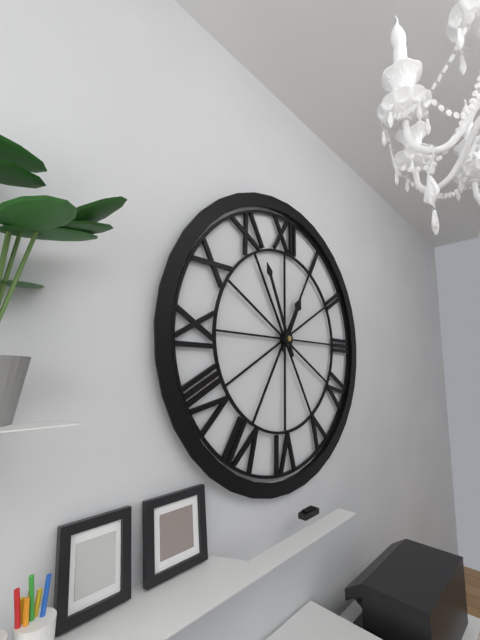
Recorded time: **12:56**
